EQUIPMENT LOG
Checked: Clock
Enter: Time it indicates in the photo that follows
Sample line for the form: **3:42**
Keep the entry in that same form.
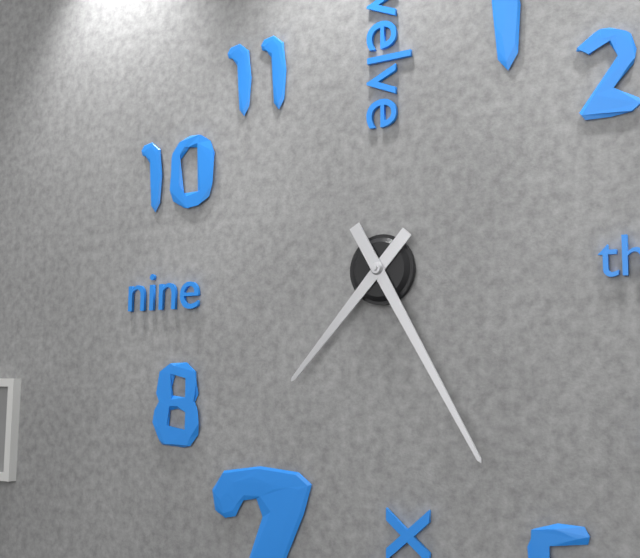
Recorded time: **7:25**
